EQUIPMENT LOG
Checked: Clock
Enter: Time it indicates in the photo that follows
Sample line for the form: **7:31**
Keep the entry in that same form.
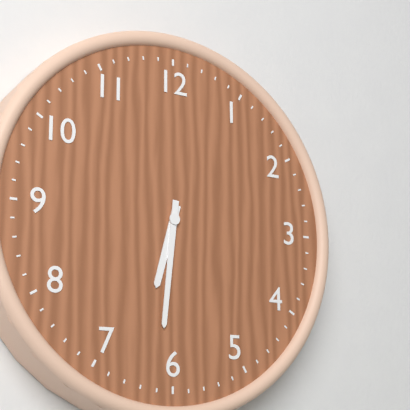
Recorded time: **6:31**
